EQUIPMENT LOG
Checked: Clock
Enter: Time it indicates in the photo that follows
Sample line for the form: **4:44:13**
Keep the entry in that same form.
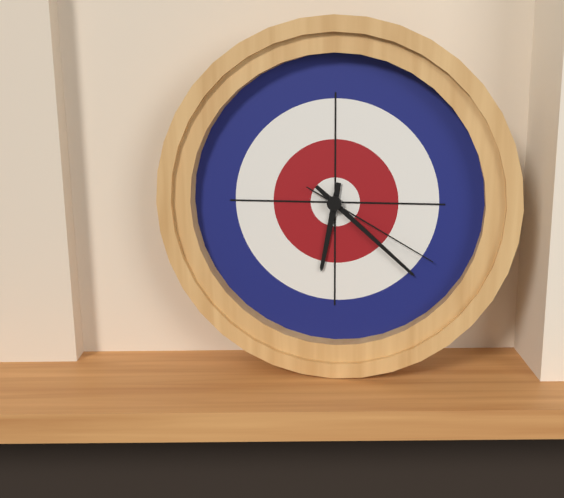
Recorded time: **6:22:20**
